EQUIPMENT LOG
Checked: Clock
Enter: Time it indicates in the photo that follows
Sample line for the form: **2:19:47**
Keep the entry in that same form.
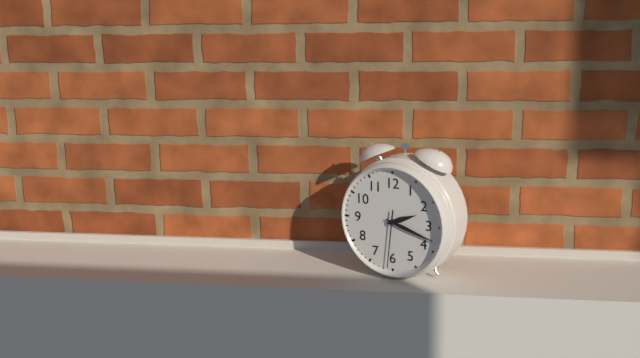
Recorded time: **2:18:31**
